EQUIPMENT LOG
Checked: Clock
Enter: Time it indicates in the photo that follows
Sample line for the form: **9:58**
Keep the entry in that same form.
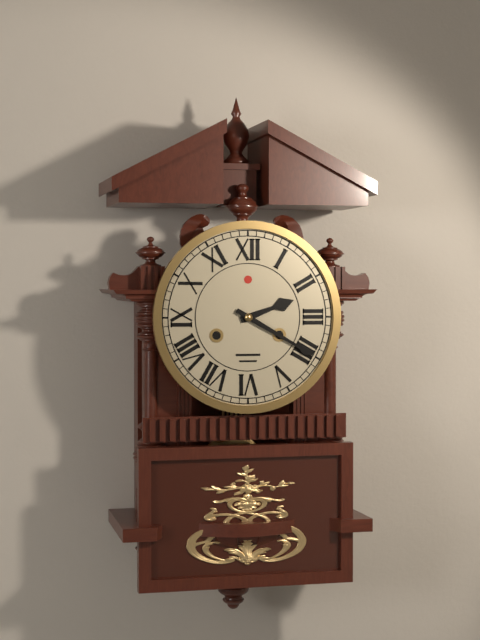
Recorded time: **2:20**
